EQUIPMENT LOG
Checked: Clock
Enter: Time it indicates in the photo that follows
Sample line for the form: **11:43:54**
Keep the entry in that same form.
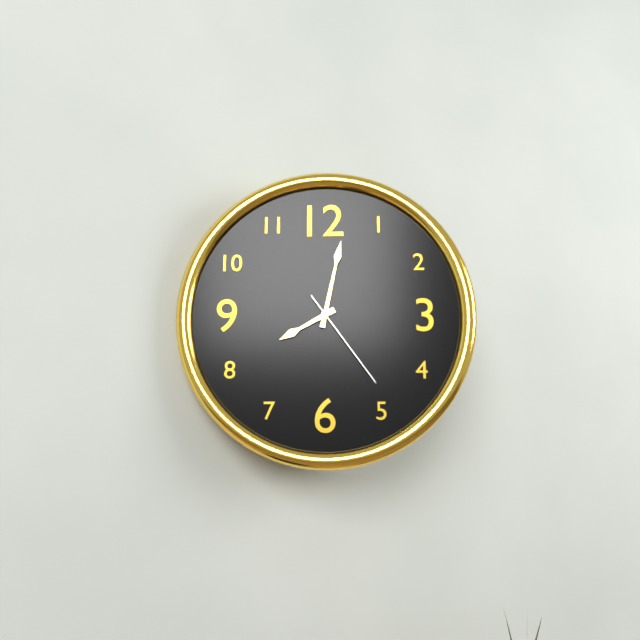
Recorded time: **8:02:24**
